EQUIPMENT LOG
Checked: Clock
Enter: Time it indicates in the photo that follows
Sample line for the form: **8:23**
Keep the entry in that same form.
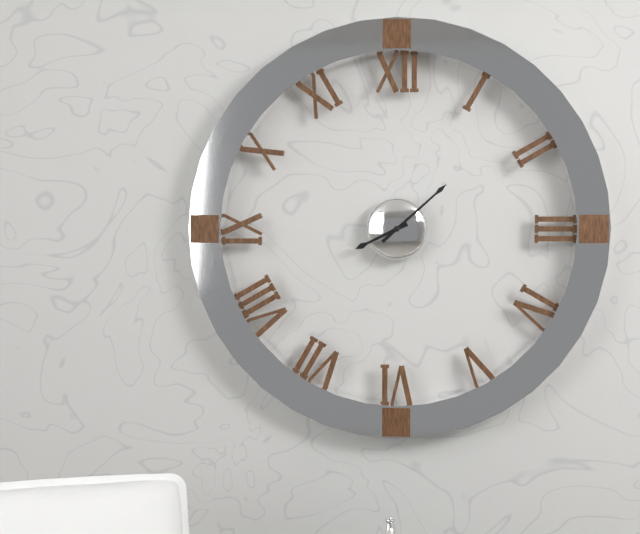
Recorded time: **8:08**
